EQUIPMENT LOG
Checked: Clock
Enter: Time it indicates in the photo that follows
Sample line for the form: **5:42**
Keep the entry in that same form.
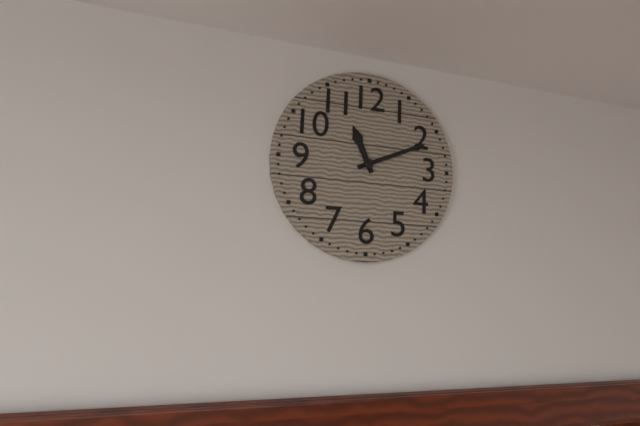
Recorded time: **11:11**
